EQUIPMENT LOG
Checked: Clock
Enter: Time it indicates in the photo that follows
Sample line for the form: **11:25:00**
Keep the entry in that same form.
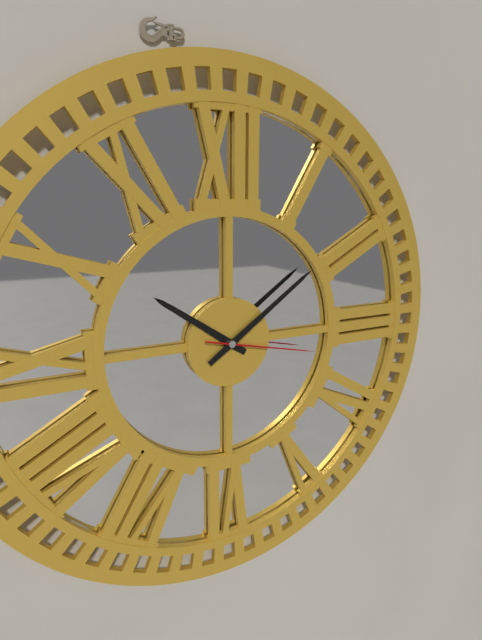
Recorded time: **10:09:17**
